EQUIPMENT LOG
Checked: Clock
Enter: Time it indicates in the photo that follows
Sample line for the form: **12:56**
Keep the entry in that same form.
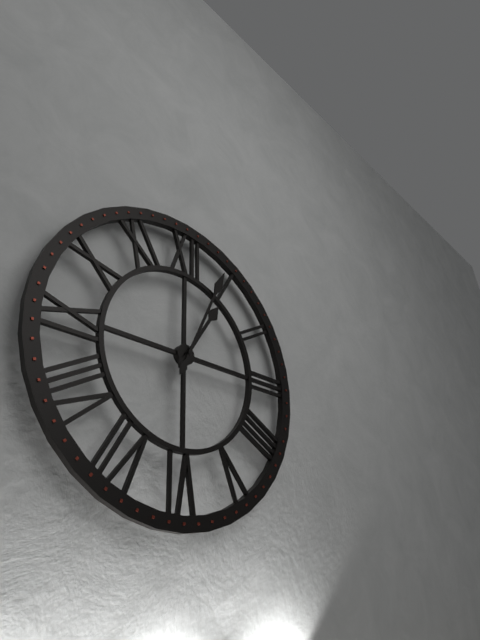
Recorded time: **1:04**
